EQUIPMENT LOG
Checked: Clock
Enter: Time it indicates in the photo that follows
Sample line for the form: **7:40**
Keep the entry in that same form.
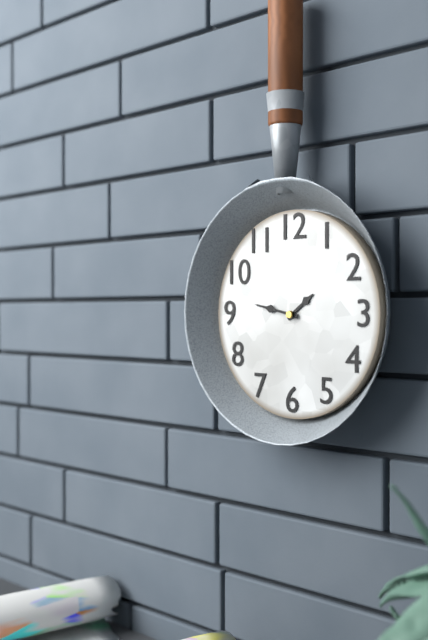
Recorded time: **1:47**
